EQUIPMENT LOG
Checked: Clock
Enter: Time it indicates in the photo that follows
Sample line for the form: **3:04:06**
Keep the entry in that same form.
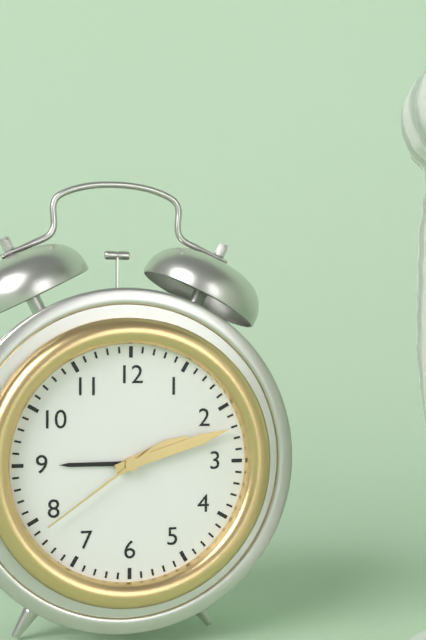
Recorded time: **2:12:39**
